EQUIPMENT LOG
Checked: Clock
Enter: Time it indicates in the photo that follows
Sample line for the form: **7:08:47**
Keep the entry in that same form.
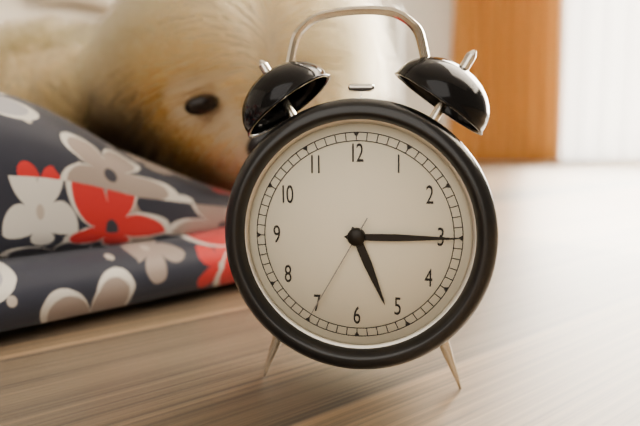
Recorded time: **5:15:35**
